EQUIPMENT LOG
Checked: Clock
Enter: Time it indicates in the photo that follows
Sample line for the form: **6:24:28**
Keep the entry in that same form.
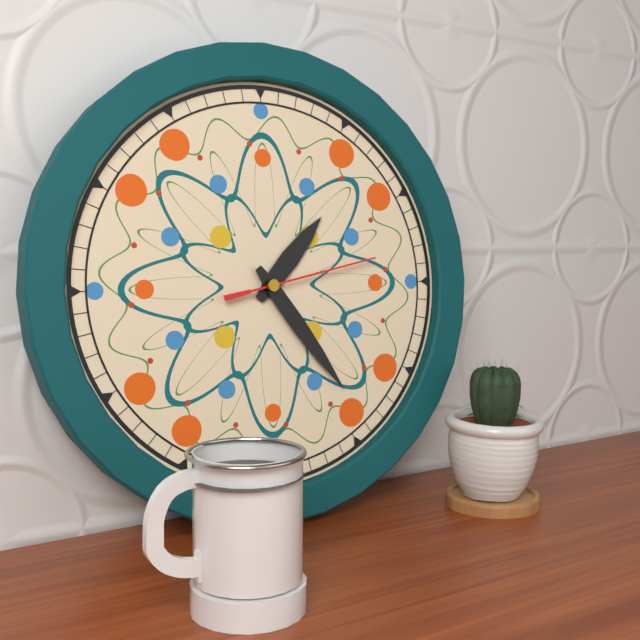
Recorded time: **1:24:13**
